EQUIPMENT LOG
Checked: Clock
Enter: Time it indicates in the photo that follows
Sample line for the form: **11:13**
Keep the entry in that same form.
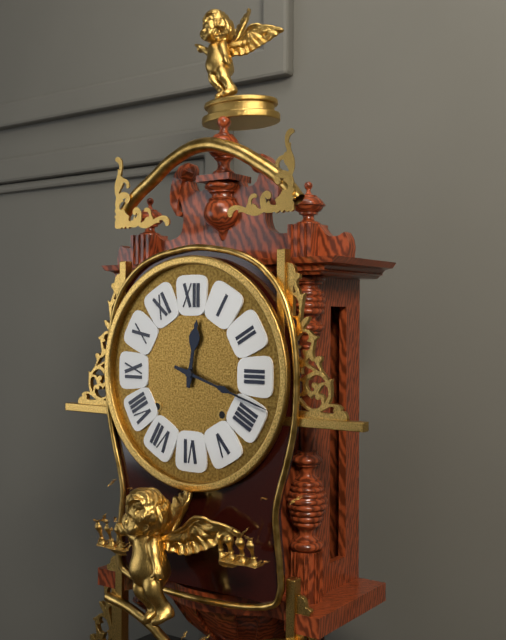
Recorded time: **12:18**
